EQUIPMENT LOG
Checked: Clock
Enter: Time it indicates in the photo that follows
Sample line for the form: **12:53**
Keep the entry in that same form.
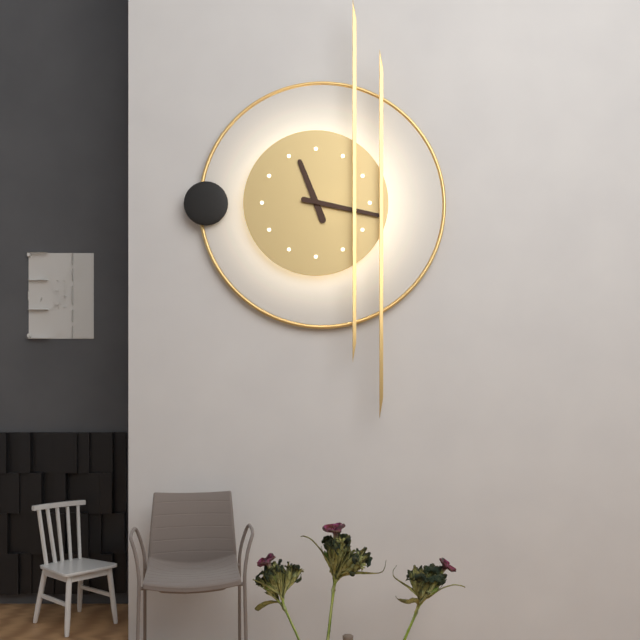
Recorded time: **11:17**
